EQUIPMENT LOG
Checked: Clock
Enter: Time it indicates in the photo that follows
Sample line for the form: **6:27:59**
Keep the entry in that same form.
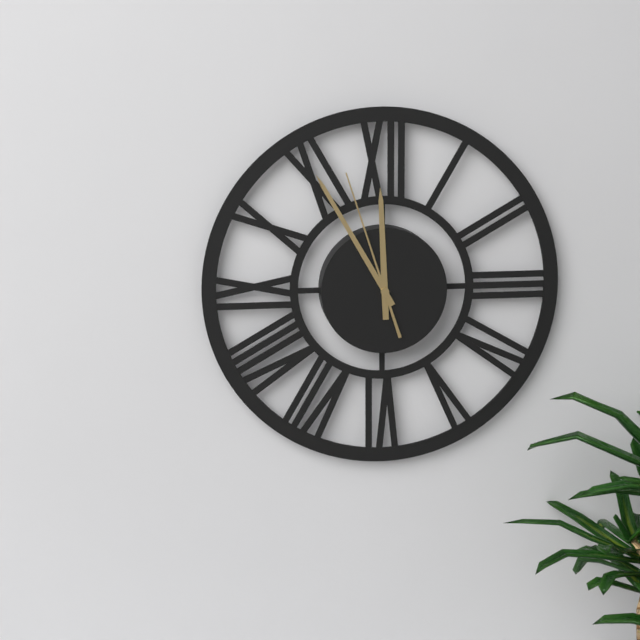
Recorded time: **11:55:57**
